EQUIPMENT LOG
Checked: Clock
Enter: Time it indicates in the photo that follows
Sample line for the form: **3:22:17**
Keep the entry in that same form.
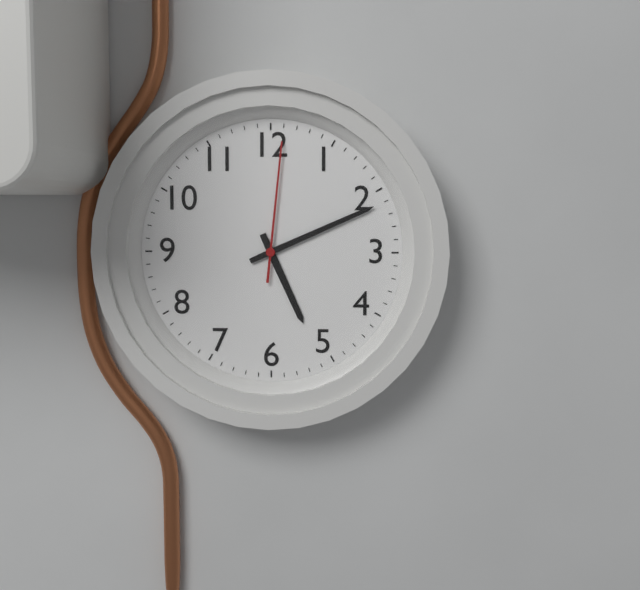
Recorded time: **5:11:01**
